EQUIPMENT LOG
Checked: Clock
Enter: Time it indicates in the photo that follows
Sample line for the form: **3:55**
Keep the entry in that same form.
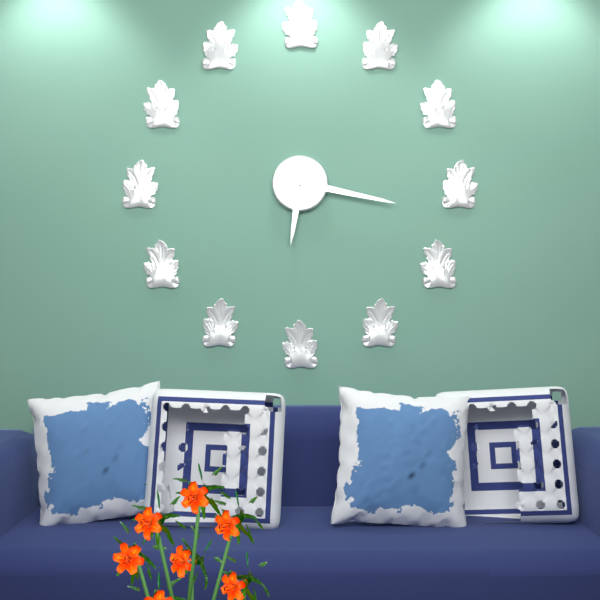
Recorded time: **6:17**
